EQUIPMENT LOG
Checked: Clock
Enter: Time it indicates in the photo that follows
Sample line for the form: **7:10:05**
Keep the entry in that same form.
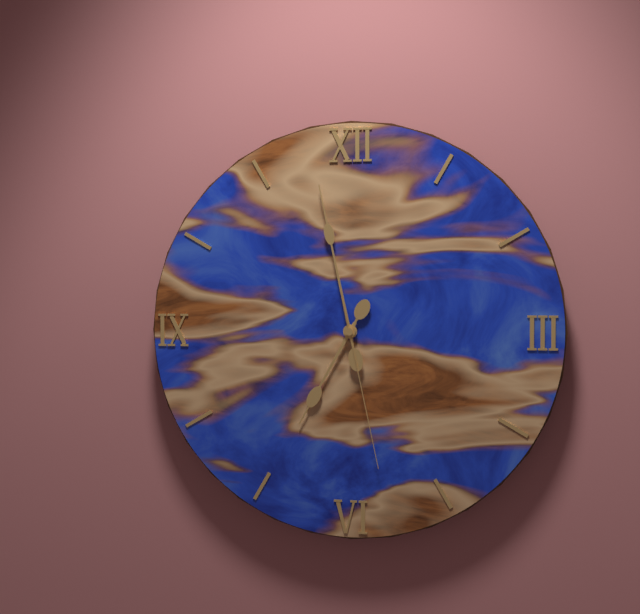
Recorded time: **6:58:28**
